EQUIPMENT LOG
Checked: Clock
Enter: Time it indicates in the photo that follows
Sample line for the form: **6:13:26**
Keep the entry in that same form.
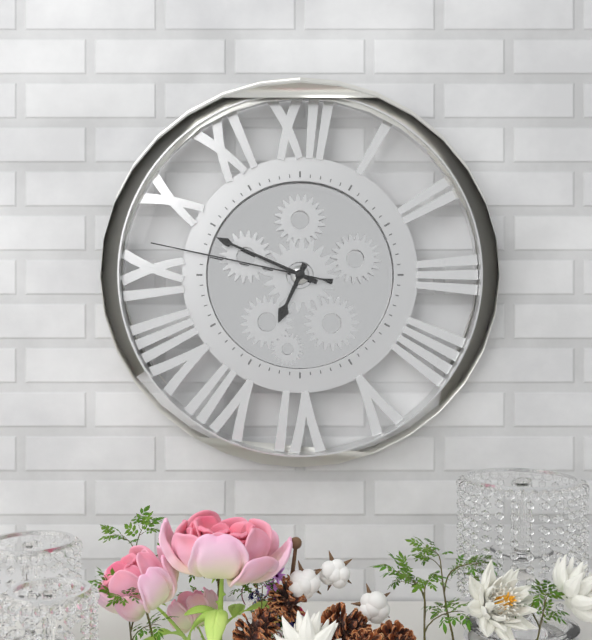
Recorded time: **6:49:47**
